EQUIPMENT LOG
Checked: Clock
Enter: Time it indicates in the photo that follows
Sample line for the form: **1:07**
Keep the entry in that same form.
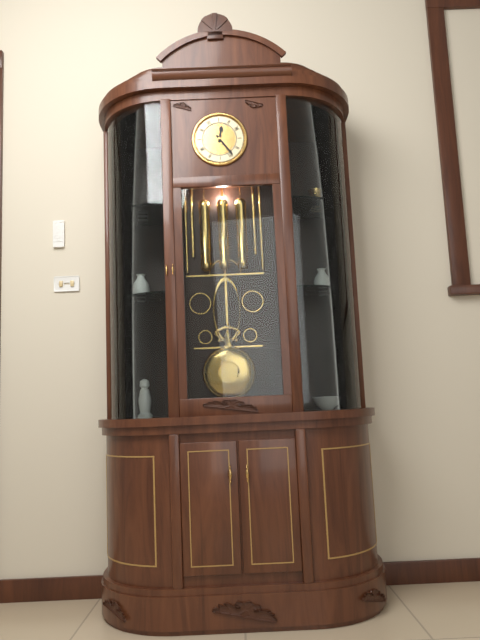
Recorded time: **12:24**
